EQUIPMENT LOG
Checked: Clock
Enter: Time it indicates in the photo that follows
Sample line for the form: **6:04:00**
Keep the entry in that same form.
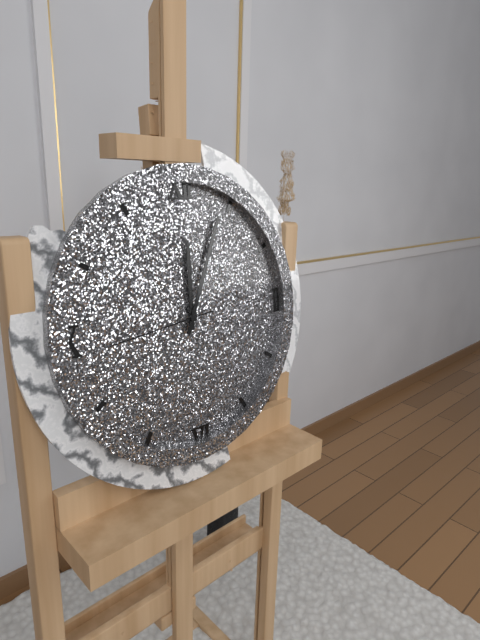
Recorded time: **12:04:44**
